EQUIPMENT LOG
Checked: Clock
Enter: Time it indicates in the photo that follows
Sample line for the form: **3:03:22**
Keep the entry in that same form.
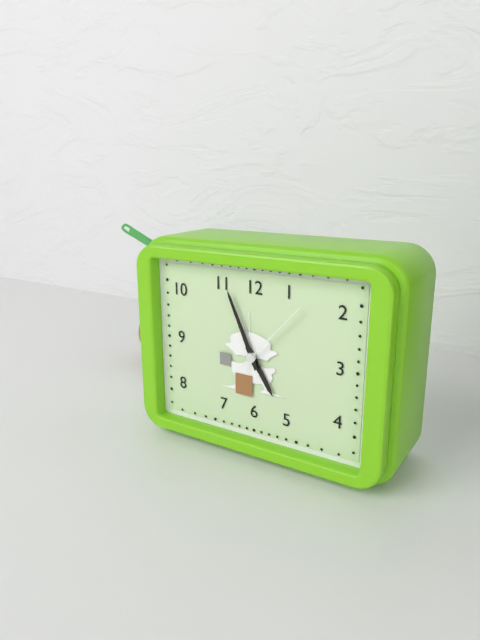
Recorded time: **4:56:07**
